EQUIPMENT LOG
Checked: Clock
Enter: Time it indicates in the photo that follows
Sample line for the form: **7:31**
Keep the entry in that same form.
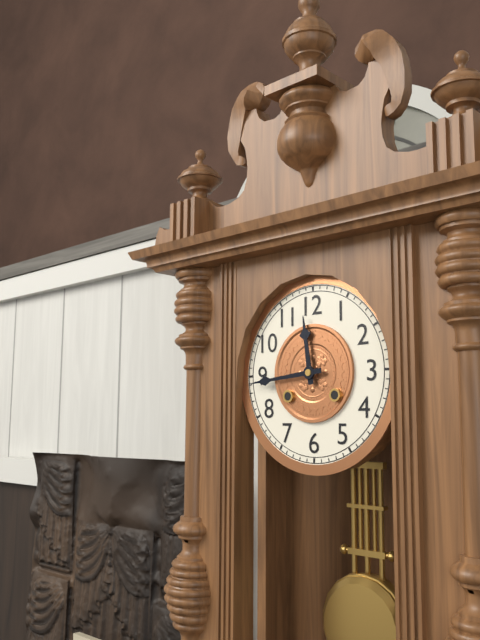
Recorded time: **11:44**
